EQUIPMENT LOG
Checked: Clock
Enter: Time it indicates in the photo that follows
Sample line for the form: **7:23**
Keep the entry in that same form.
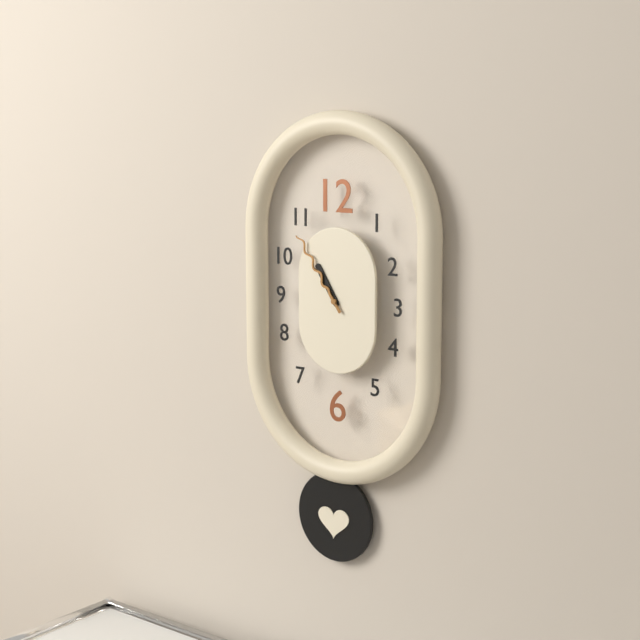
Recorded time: **10:54**
